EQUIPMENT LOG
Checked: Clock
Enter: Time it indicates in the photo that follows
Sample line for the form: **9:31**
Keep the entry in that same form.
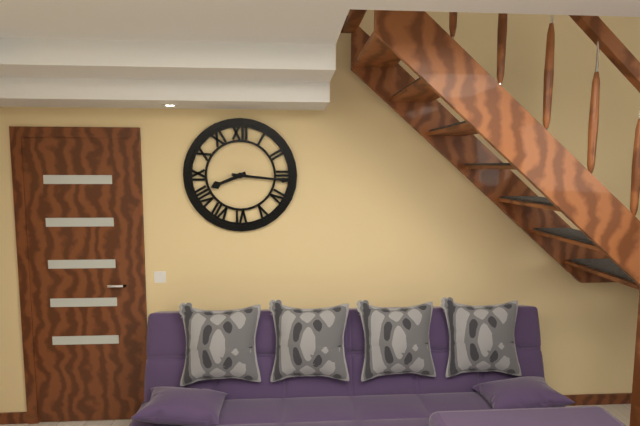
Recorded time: **8:16**
